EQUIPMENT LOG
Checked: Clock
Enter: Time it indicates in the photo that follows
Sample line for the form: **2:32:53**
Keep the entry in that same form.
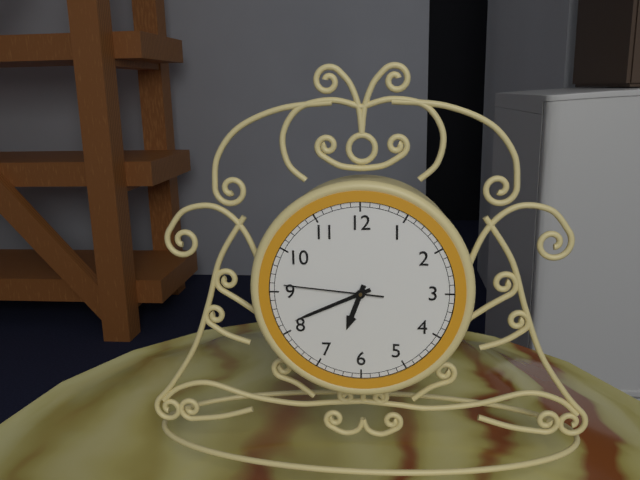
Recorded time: **6:41:46**
